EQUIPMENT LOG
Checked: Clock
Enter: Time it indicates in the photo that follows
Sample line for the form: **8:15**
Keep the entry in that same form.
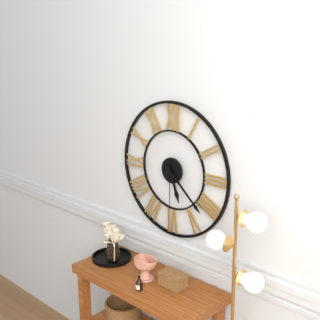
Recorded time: **5:22**
